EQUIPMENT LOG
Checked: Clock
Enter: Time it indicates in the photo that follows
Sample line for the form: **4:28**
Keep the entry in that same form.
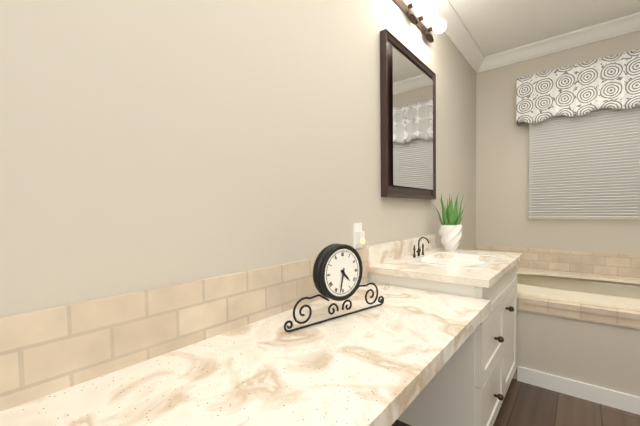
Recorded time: **4:32**
